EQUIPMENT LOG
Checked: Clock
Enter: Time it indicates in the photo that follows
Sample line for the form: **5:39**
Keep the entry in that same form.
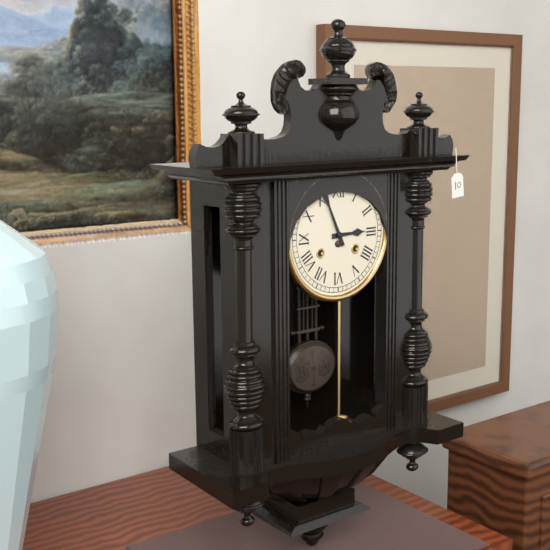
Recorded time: **2:56**
